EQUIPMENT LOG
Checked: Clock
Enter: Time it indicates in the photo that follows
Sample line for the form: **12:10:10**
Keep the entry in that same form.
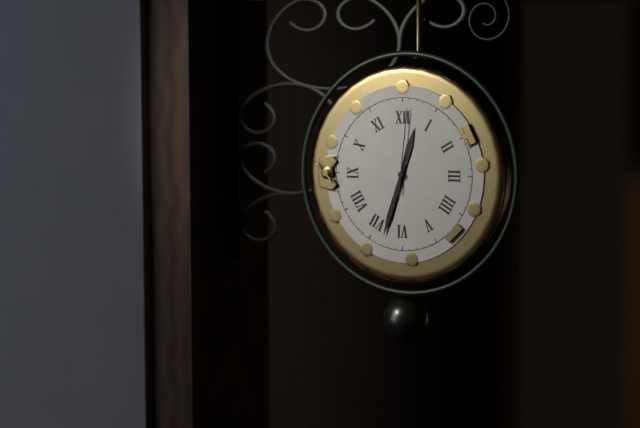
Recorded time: **12:33:01**
